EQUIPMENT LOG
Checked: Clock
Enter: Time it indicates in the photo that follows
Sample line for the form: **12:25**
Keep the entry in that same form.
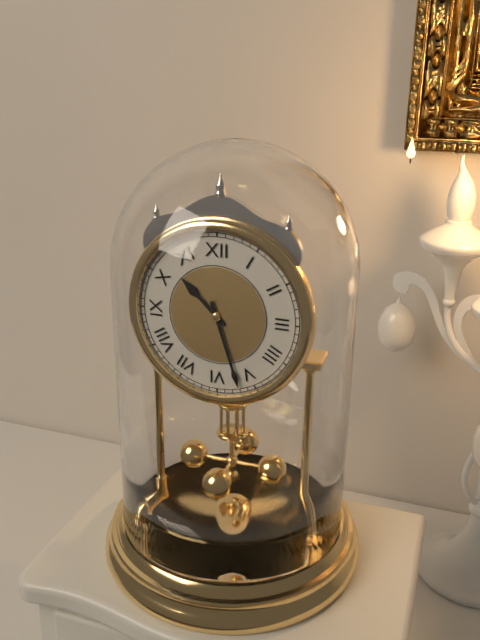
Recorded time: **10:27**
